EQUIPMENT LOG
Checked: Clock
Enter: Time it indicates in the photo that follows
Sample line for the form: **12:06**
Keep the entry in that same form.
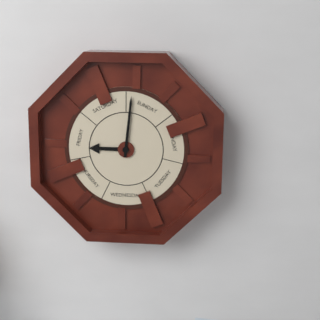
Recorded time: **9:01**
